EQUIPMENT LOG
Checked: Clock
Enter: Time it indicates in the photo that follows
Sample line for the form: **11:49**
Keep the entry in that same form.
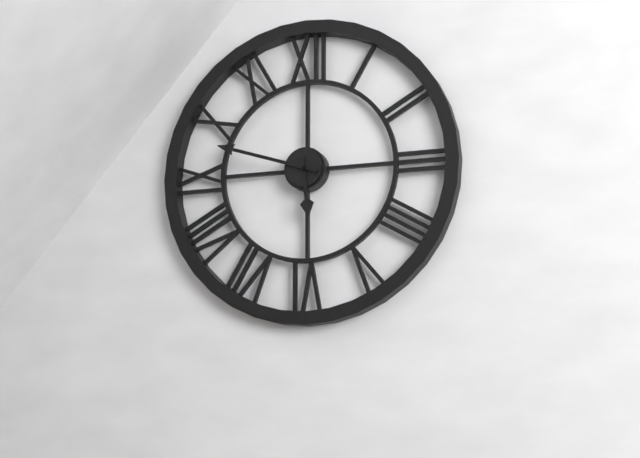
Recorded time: **5:48**
